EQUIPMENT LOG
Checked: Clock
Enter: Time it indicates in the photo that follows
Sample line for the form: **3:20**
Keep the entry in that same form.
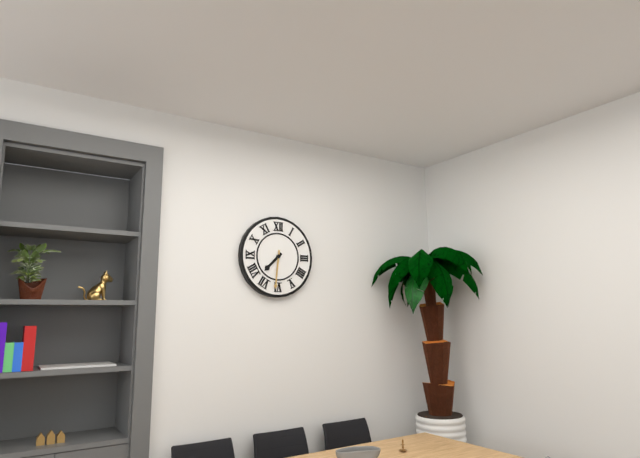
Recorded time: **7:31**
